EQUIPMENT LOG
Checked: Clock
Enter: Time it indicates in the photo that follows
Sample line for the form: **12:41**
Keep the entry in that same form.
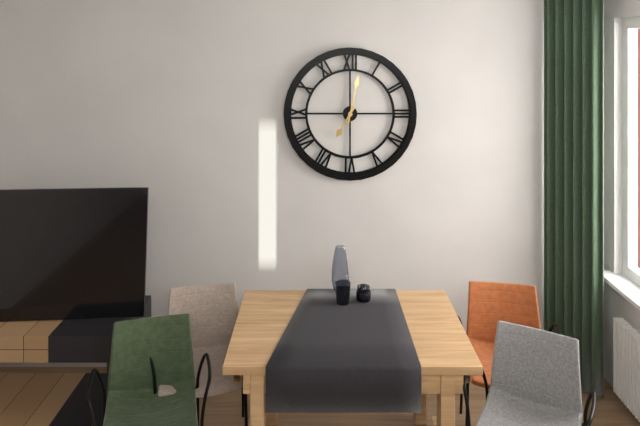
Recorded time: **7:02**
